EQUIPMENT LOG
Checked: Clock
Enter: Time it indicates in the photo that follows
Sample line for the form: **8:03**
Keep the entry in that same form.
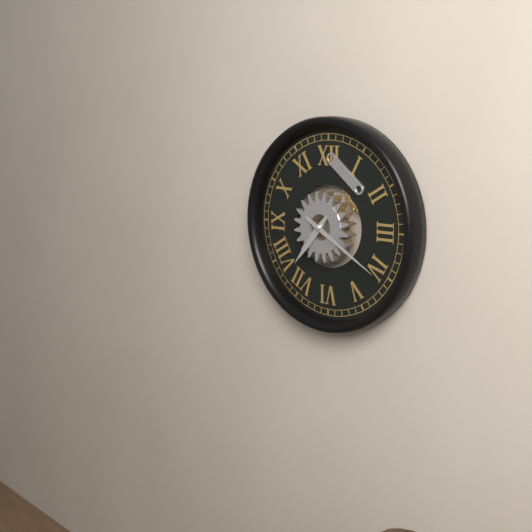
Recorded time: **7:20**
